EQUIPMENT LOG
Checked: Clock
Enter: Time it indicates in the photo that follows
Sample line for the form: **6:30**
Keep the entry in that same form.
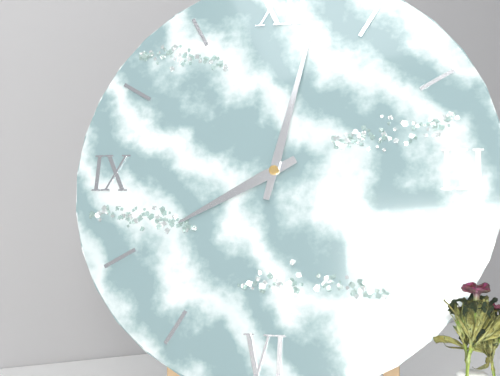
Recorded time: **8:02**
